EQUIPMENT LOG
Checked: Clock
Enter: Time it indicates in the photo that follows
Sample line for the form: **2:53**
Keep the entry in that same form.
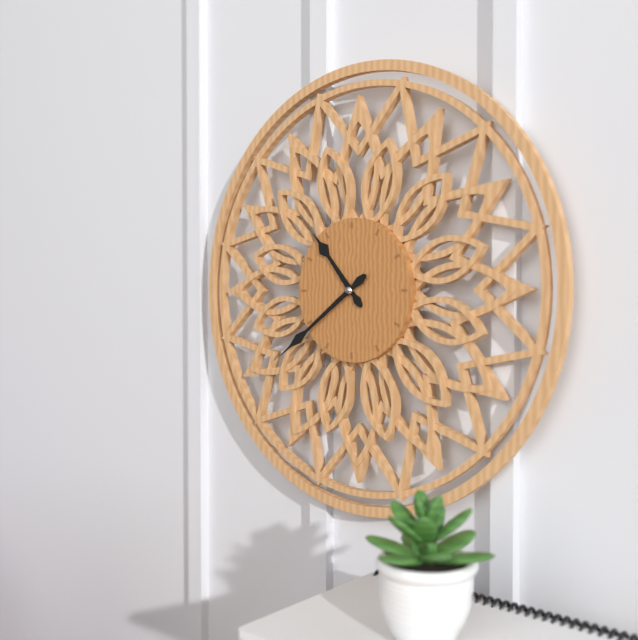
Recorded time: **10:39**
